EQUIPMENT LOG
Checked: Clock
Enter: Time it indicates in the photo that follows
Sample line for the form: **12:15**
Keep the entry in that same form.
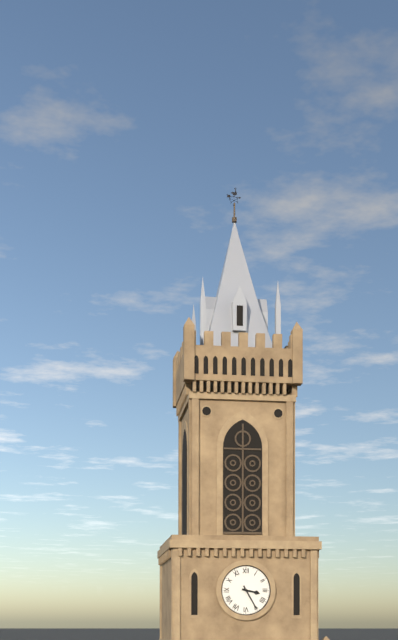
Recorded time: **3:25**
